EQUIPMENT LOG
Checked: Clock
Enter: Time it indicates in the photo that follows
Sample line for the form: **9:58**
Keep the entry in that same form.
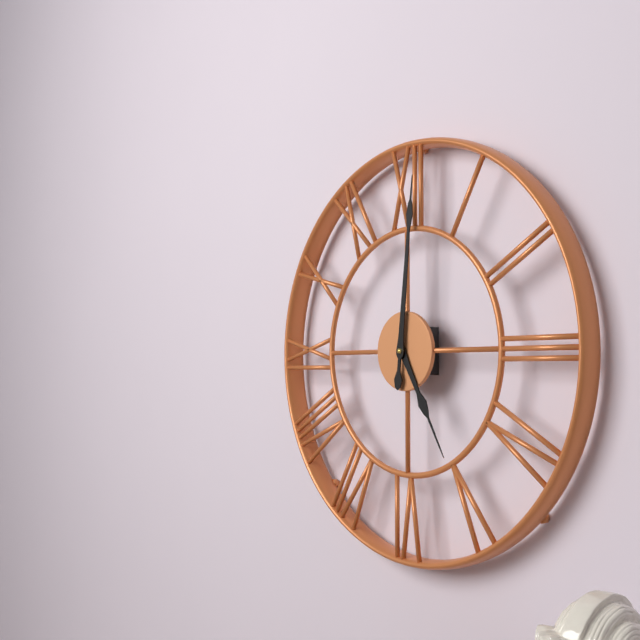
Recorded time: **5:01**
